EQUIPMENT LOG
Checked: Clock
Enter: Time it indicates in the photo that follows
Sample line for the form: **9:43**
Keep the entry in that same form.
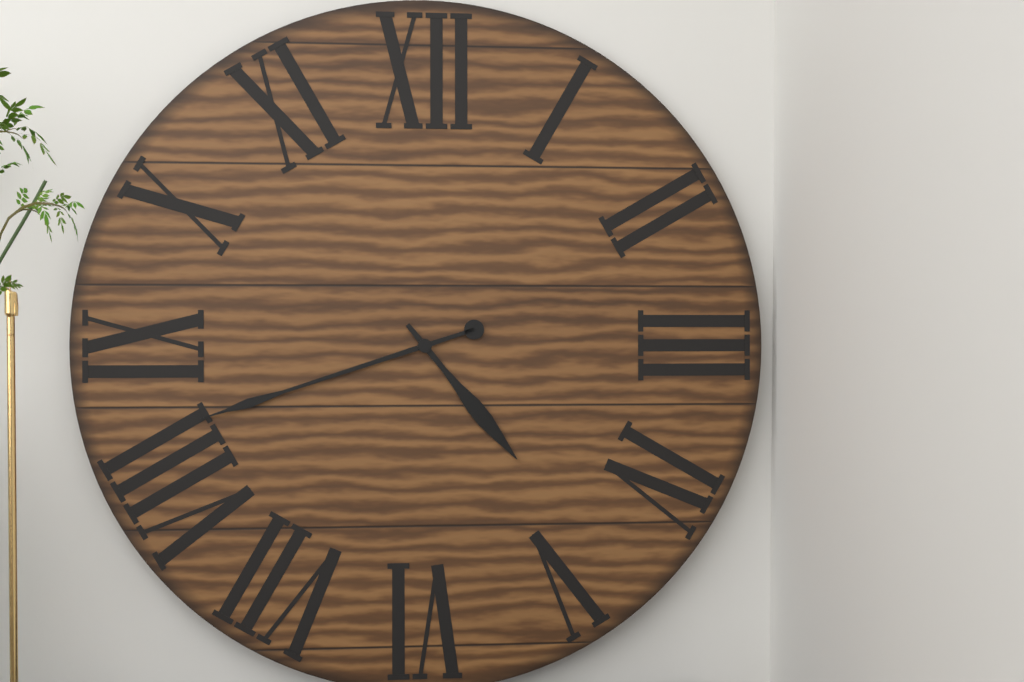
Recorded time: **4:42**
